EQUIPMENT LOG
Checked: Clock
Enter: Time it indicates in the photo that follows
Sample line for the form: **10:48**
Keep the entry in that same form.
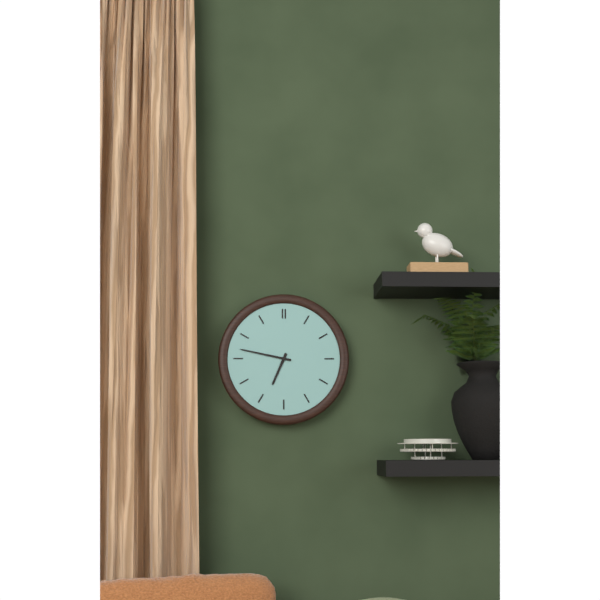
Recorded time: **6:47**
